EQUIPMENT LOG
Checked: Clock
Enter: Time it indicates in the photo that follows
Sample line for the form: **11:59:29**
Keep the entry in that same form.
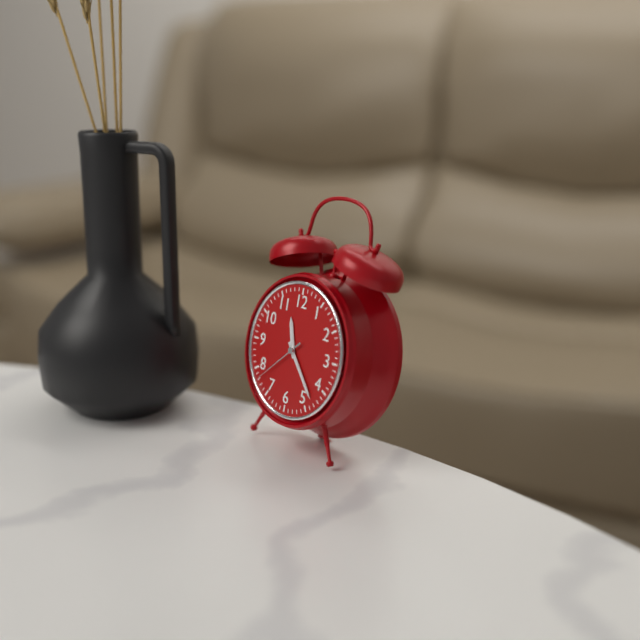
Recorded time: **11:23:38**
